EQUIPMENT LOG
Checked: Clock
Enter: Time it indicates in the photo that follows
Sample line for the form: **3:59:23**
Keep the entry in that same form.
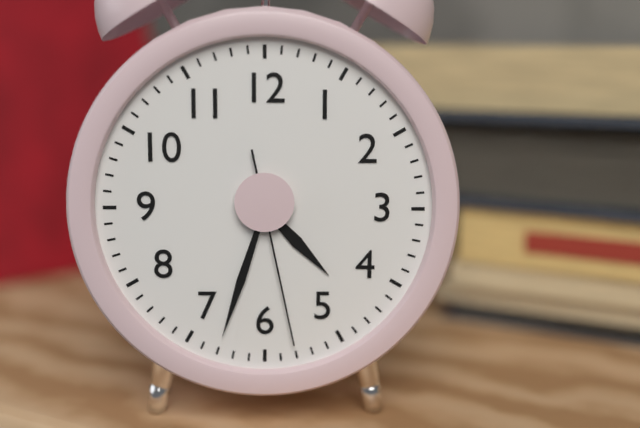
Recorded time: **4:33:28**
